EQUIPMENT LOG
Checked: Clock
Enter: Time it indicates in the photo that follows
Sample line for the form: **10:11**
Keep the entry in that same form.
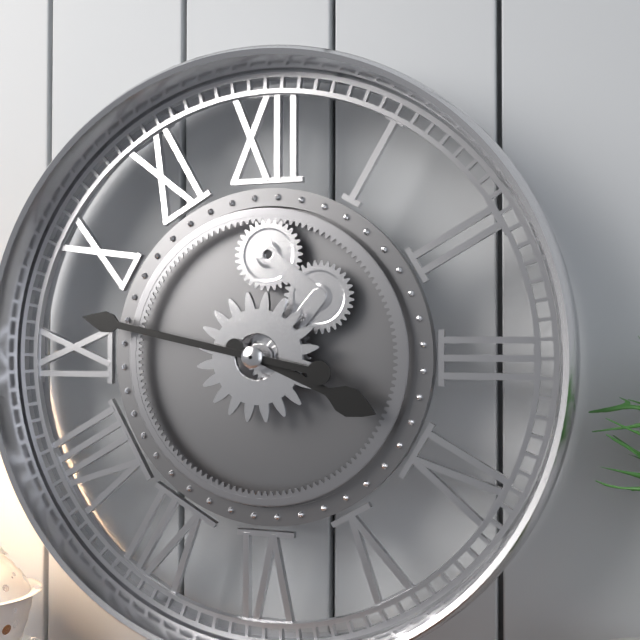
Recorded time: **3:47**
